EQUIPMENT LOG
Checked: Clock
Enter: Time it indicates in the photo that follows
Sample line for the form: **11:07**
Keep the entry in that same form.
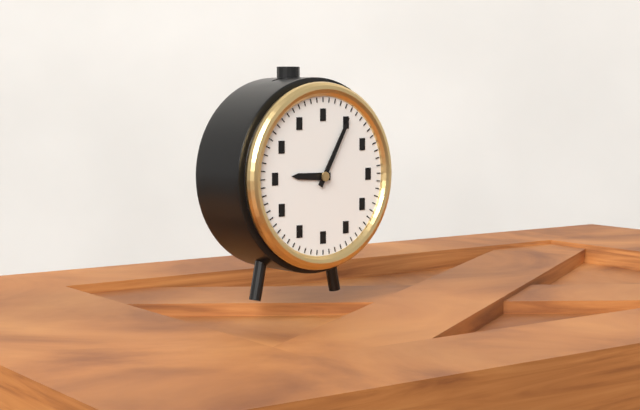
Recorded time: **9:05**
